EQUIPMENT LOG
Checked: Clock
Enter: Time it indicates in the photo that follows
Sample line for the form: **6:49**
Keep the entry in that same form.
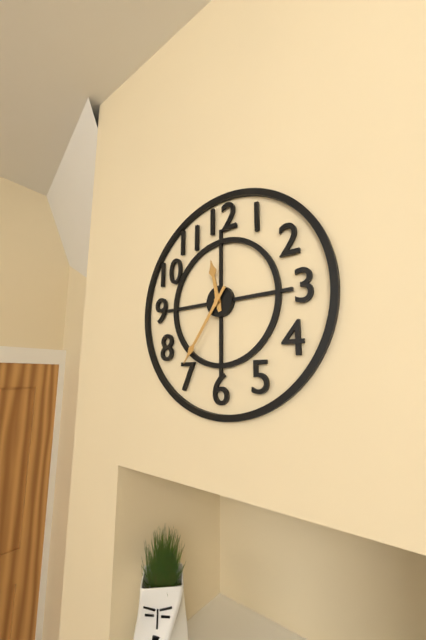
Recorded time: **11:36**
